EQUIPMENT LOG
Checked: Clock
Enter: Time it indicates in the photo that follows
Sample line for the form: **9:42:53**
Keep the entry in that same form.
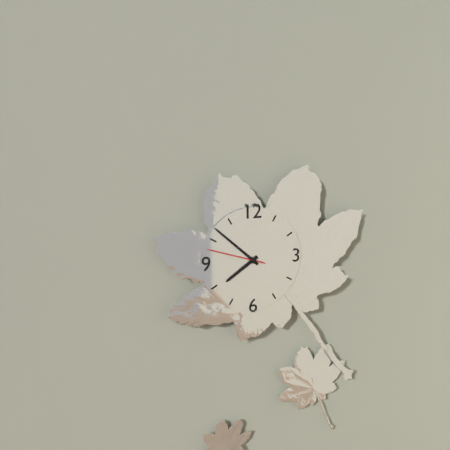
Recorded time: **7:52:48**
